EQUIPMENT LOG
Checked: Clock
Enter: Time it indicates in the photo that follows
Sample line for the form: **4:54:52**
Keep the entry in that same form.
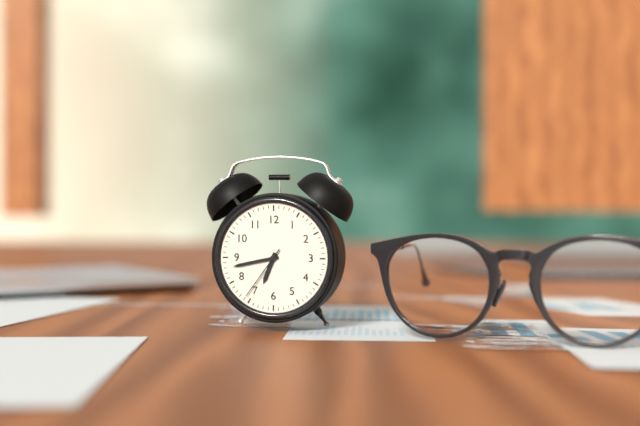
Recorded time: **6:43:36**
